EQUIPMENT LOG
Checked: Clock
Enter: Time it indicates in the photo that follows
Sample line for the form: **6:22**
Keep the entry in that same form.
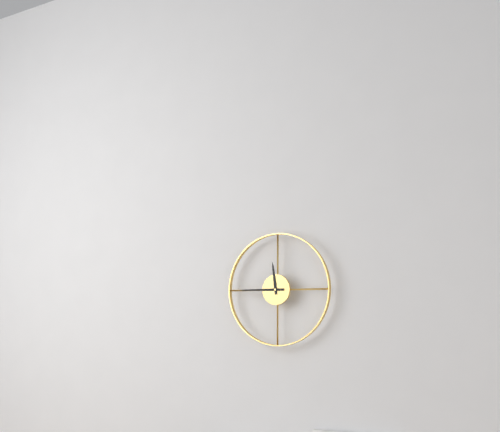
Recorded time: **11:45**
